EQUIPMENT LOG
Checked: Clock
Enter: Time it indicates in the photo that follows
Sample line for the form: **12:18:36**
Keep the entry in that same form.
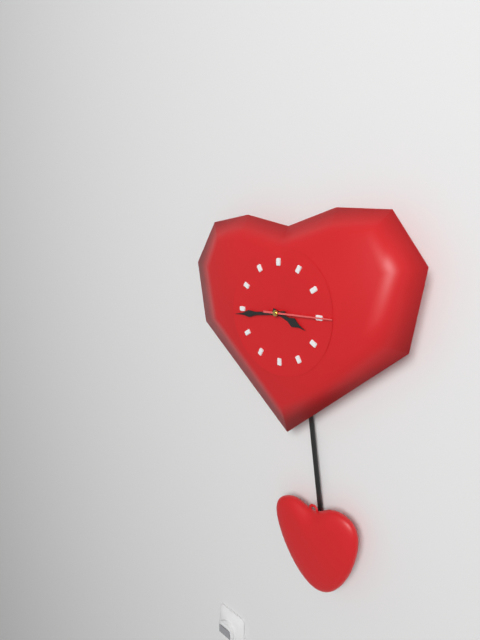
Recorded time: **3:44:15**
